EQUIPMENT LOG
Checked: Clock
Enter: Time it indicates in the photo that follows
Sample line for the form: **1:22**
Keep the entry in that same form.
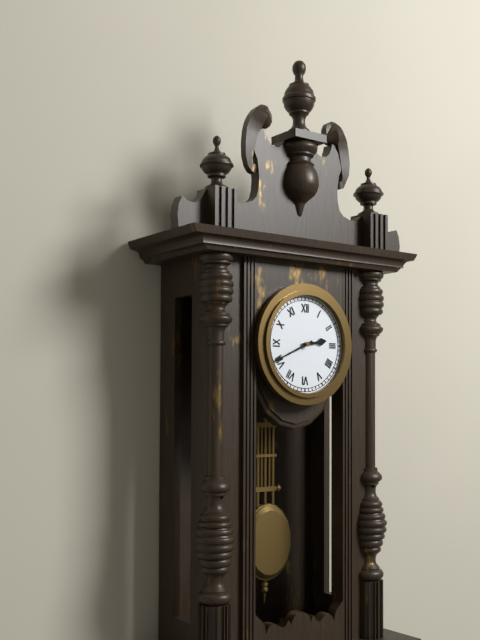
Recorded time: **2:41**
